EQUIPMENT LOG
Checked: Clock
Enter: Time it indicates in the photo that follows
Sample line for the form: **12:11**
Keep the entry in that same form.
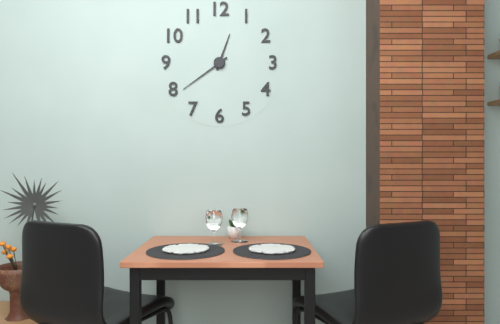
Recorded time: **12:39**
